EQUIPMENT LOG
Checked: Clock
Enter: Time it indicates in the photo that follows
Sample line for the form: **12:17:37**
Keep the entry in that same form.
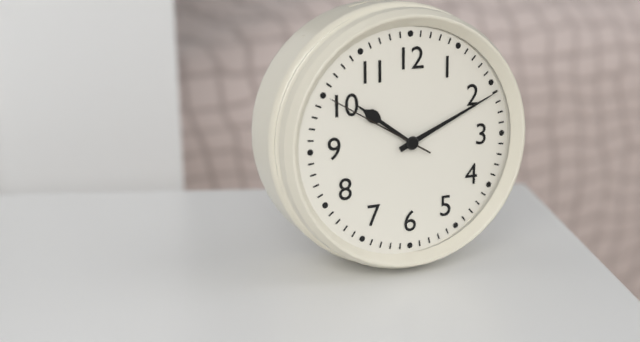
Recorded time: **10:11:50**
